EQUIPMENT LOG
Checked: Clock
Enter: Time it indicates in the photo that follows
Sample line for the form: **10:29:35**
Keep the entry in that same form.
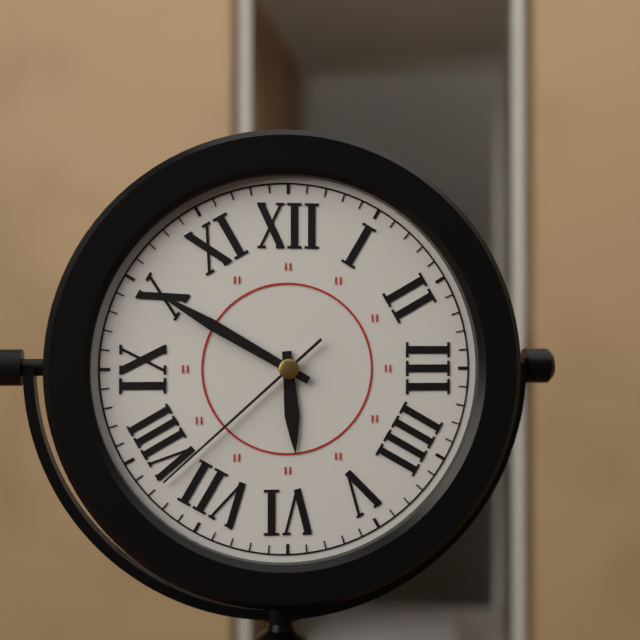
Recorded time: **5:50:38**
